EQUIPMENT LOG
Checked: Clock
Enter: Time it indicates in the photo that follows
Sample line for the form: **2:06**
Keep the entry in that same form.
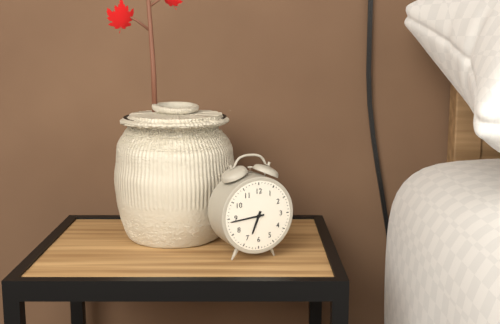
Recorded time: **6:44**
